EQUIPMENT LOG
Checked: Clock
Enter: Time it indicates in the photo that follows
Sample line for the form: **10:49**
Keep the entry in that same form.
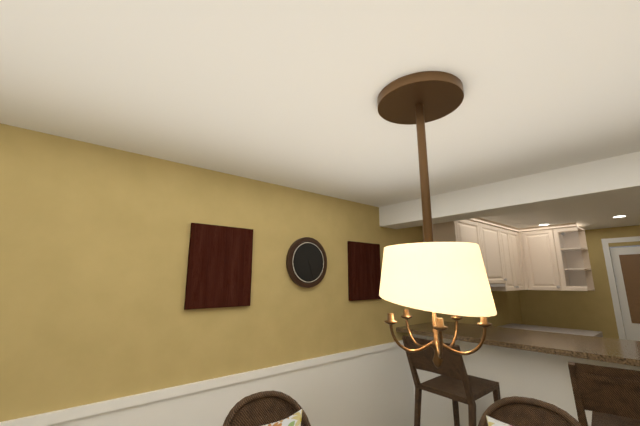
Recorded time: **4:27**
